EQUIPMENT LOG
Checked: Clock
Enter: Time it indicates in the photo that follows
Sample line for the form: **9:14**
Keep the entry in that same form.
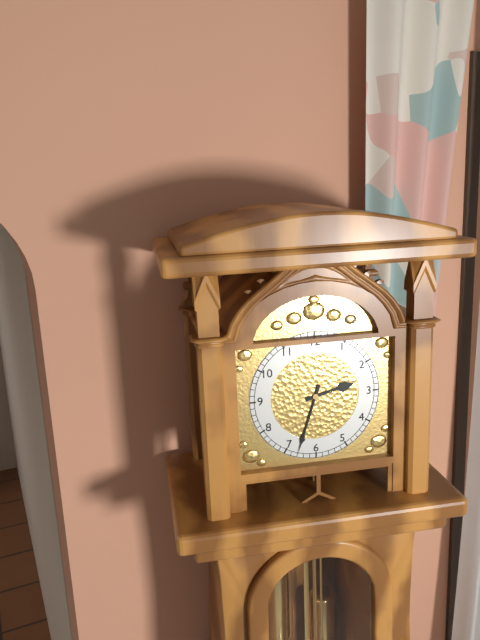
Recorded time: **2:33**
